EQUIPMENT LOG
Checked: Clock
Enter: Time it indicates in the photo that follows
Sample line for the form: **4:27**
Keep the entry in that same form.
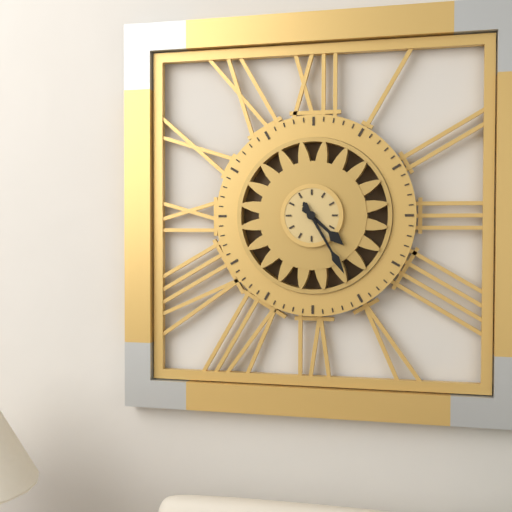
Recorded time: **4:25**
